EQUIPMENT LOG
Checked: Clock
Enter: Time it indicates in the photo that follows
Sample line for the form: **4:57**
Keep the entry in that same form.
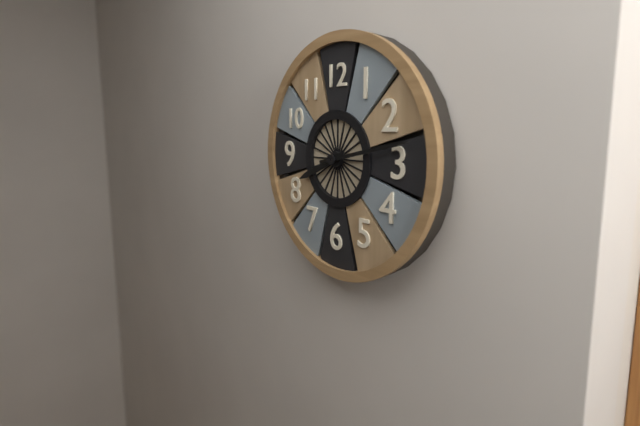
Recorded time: **8:13**
